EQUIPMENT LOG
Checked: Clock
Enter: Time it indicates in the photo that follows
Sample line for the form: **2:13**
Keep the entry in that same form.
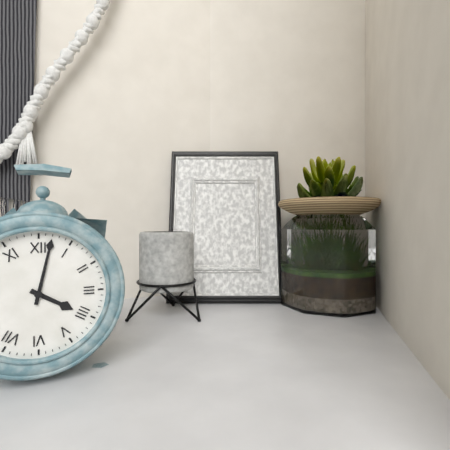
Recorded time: **4:02**
